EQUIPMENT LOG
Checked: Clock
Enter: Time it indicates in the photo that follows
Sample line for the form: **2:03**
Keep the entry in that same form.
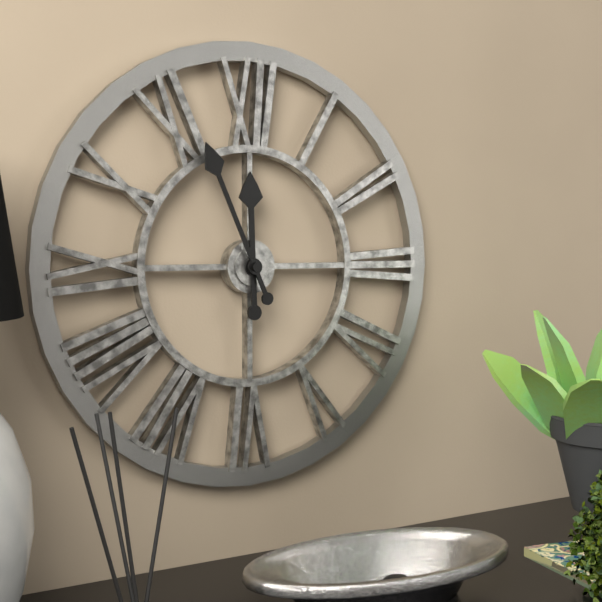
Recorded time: **11:56**
